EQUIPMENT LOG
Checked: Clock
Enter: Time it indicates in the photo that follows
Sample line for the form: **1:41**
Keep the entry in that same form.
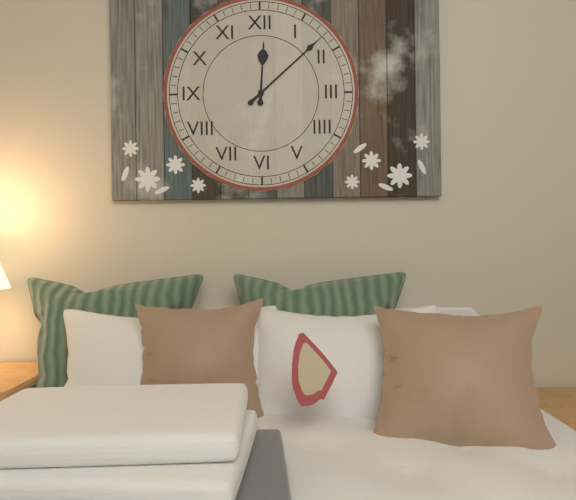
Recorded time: **12:08**
